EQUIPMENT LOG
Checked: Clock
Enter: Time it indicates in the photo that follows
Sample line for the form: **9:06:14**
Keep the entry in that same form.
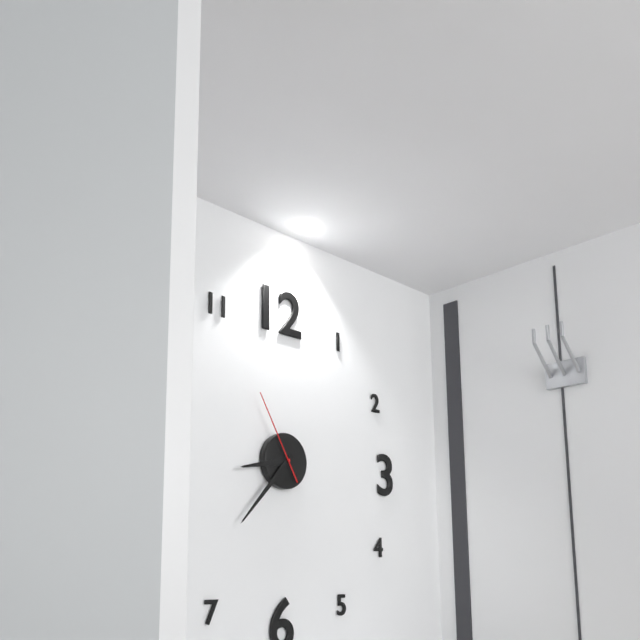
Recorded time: **8:37:55**
